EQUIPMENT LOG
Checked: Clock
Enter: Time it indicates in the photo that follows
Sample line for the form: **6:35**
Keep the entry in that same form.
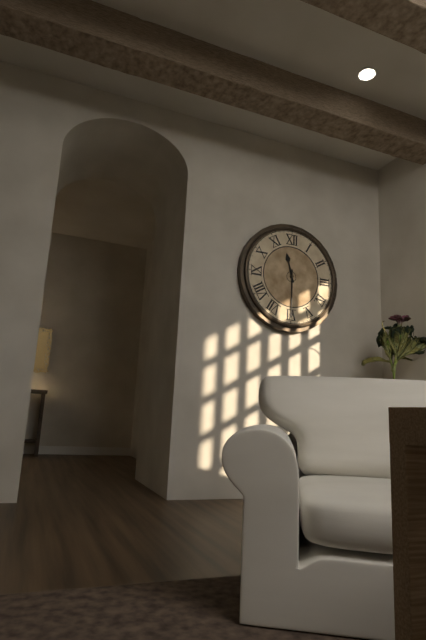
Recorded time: **11:30**
